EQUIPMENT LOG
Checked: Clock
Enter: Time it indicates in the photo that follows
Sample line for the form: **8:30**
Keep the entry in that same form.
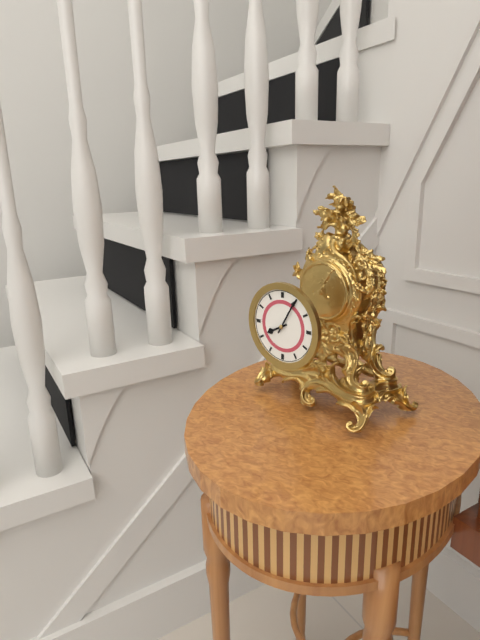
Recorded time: **8:05**
